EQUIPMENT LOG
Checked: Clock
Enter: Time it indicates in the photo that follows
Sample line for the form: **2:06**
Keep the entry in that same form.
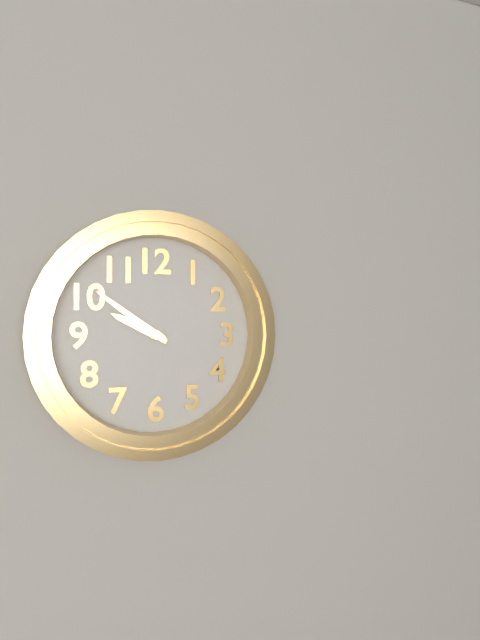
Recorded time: **9:51**
